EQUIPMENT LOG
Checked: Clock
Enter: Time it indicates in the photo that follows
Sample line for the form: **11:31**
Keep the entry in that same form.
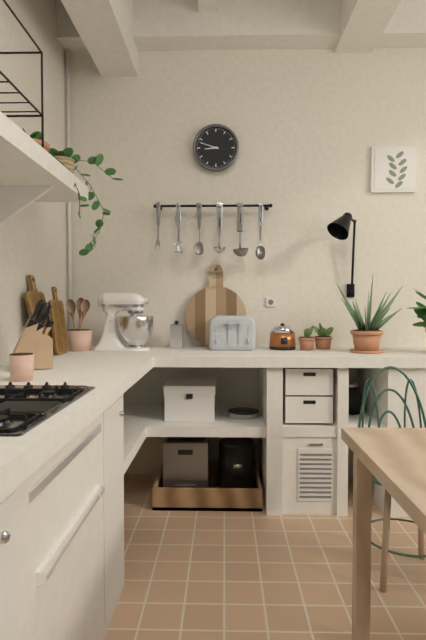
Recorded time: **8:48**
